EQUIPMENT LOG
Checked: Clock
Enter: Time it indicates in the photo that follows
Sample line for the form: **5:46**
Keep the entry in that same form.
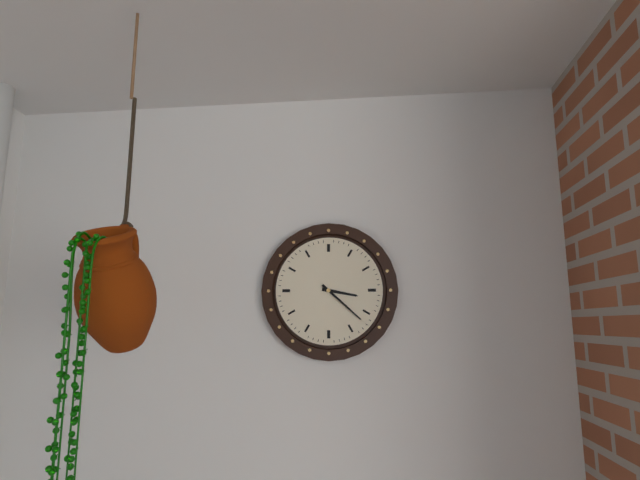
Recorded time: **3:22**
